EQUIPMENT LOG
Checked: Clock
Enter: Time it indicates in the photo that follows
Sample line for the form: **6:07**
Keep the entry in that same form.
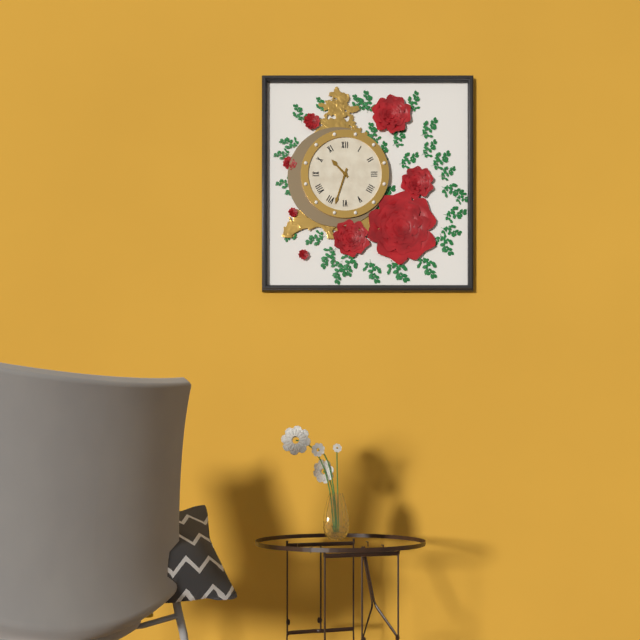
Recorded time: **10:33**
